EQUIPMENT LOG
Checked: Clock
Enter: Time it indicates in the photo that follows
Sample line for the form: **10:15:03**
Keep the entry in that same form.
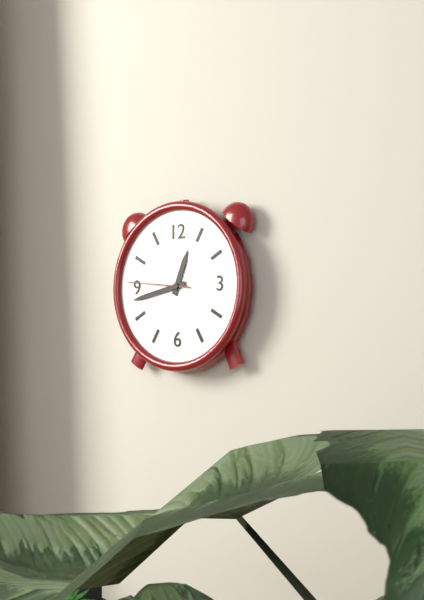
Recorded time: **12:43:46**
